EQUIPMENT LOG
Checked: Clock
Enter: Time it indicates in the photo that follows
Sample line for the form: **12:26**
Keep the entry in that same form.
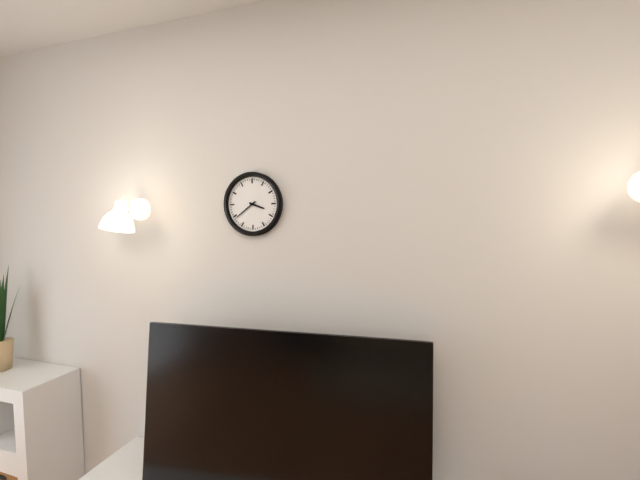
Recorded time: **3:39**
